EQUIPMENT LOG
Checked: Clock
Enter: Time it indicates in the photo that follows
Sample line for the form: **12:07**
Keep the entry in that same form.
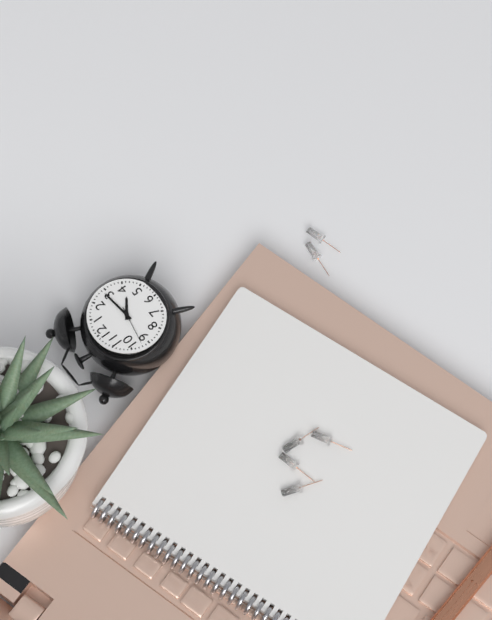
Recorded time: **4:14**
